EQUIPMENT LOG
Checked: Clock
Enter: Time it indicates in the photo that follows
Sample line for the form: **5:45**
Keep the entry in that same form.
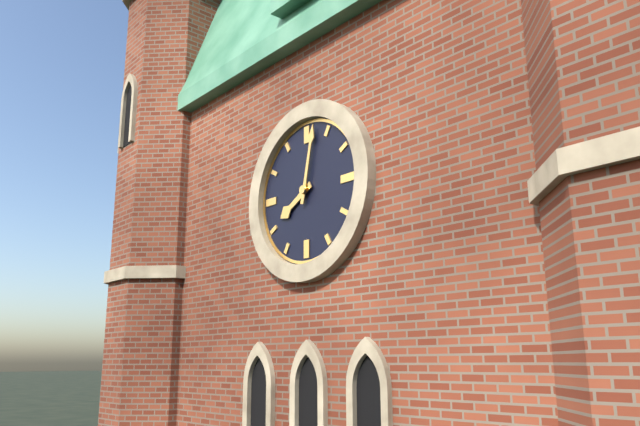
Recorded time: **8:02**
